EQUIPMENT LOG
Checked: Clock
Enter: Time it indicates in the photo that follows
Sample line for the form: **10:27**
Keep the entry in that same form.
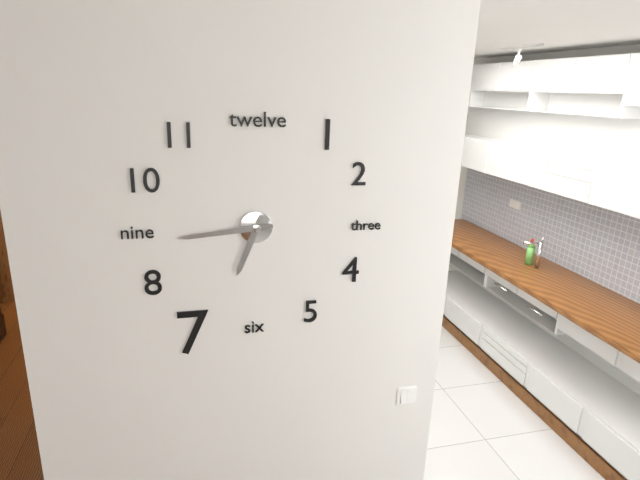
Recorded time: **6:44**
